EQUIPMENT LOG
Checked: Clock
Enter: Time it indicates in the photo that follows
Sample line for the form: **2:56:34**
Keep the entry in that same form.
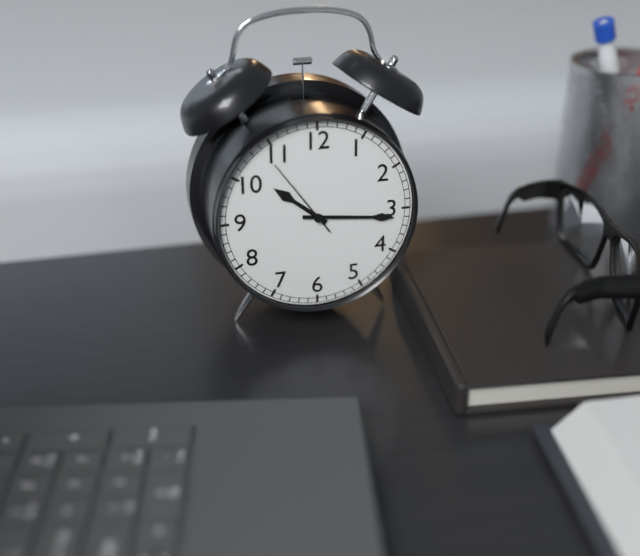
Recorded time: **10:16:54**
